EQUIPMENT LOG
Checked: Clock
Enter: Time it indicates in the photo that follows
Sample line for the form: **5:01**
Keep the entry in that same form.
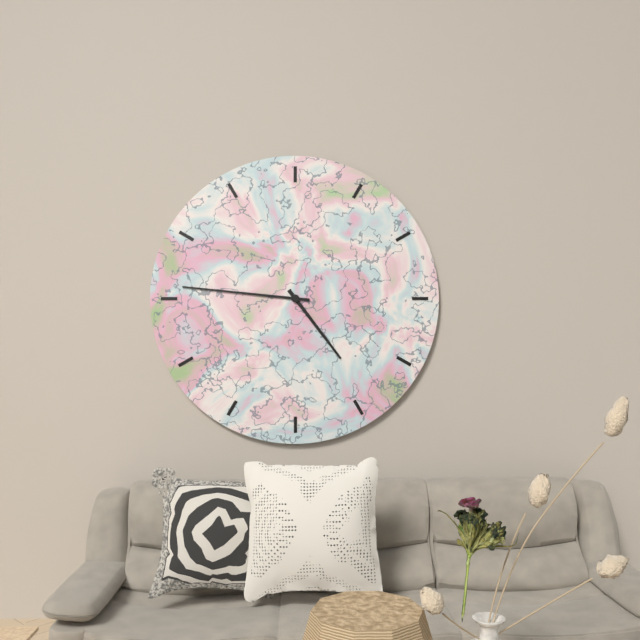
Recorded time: **4:46**
